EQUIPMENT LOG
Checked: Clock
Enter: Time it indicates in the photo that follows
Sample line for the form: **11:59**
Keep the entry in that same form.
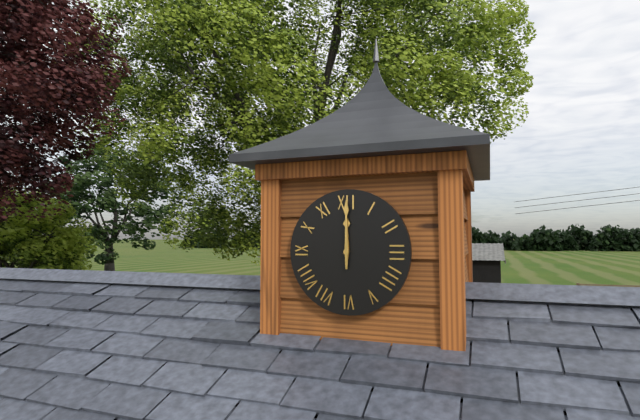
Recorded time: **12:00**
